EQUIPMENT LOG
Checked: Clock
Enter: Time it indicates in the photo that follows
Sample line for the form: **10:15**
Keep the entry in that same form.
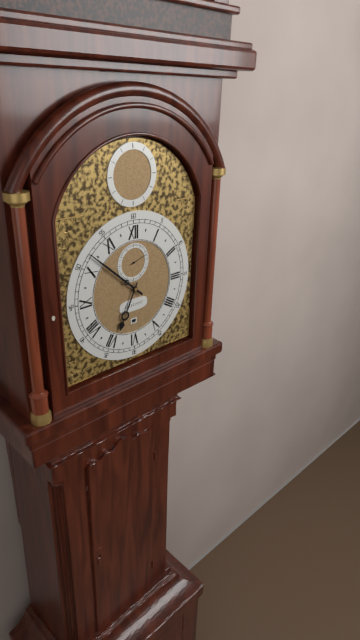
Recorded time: **6:52**
